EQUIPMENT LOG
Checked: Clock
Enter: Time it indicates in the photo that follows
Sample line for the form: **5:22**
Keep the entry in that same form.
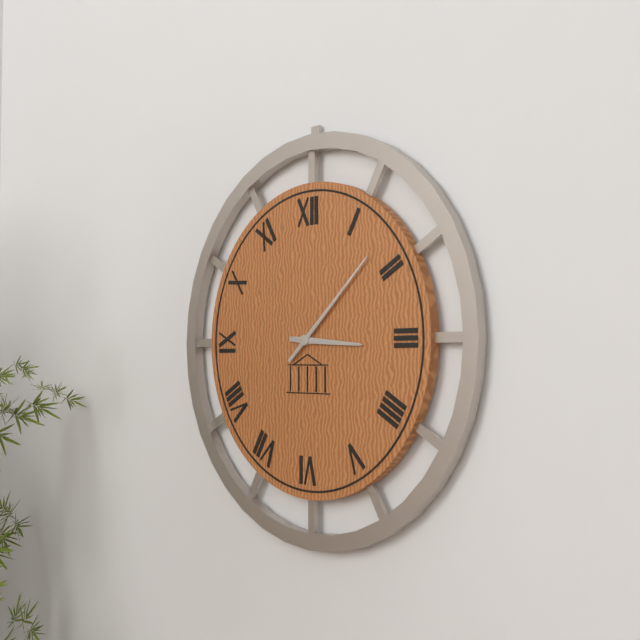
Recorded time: **3:08**
